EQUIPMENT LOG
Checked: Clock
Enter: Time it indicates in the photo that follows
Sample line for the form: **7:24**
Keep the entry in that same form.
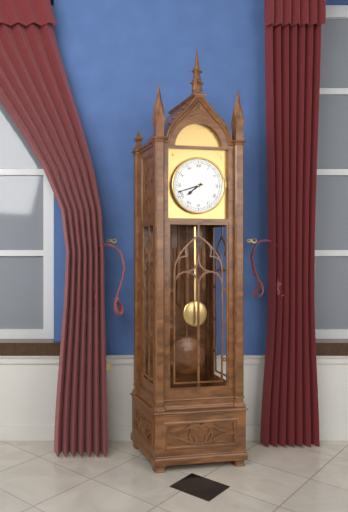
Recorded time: **7:42**
